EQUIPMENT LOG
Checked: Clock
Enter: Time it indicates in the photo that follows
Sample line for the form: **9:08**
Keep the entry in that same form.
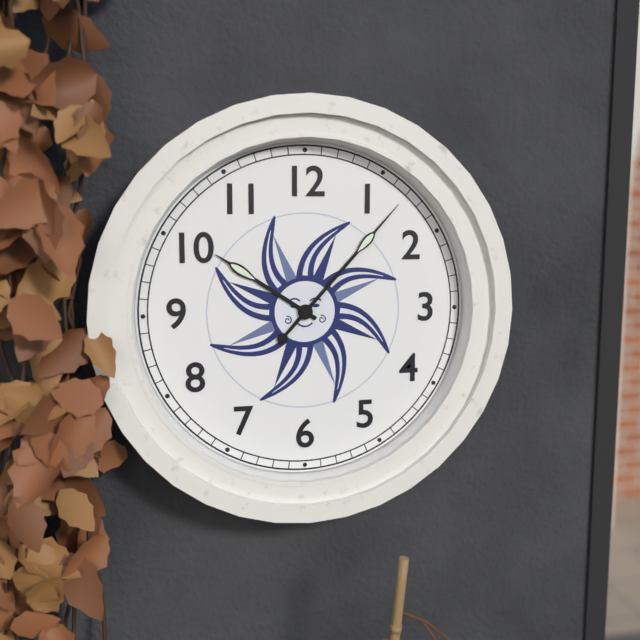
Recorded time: **10:07**
